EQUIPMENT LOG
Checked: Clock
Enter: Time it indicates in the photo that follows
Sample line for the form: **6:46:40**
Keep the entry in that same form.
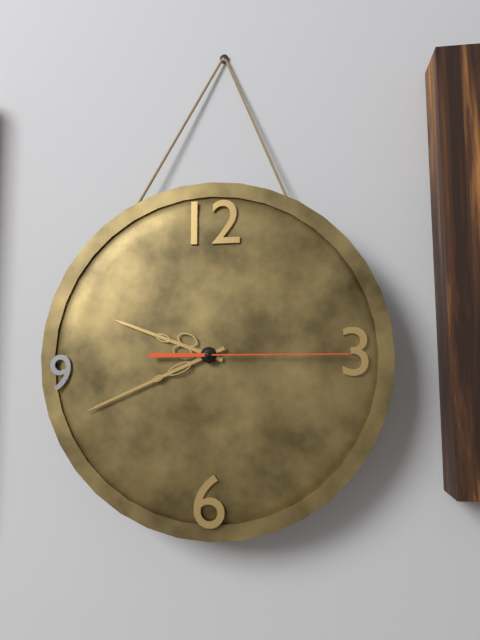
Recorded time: **9:41:15**
